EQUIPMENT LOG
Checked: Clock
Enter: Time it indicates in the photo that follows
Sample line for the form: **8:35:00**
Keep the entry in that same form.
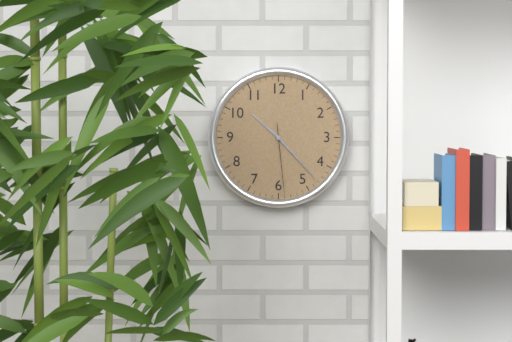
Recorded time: **10:23:29**
